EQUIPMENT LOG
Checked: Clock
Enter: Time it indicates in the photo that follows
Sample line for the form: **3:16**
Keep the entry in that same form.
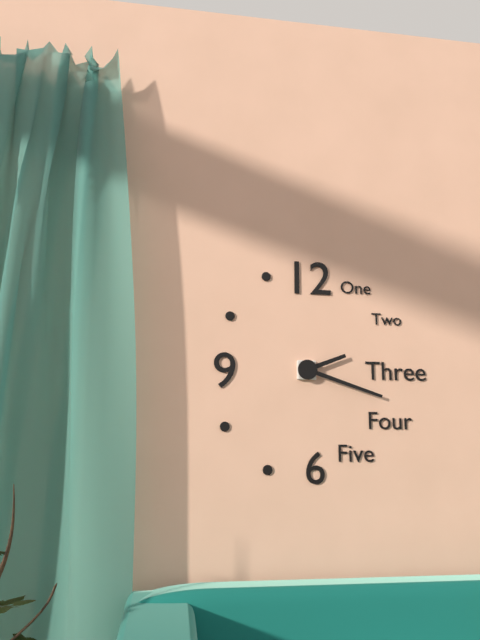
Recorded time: **2:18**
